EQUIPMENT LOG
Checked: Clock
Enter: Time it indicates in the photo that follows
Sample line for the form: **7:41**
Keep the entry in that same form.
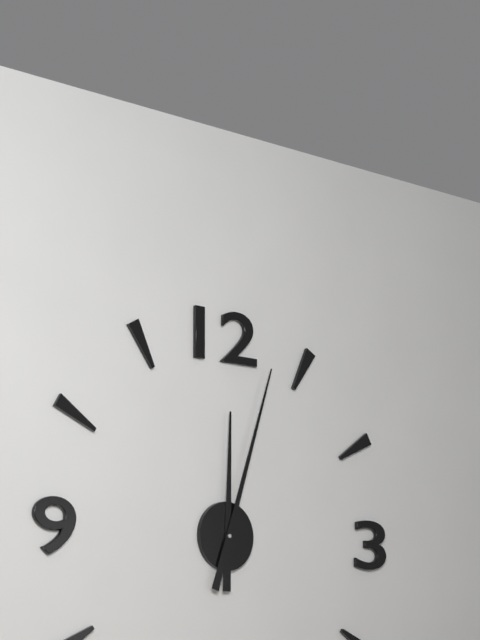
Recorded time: **12:03**
